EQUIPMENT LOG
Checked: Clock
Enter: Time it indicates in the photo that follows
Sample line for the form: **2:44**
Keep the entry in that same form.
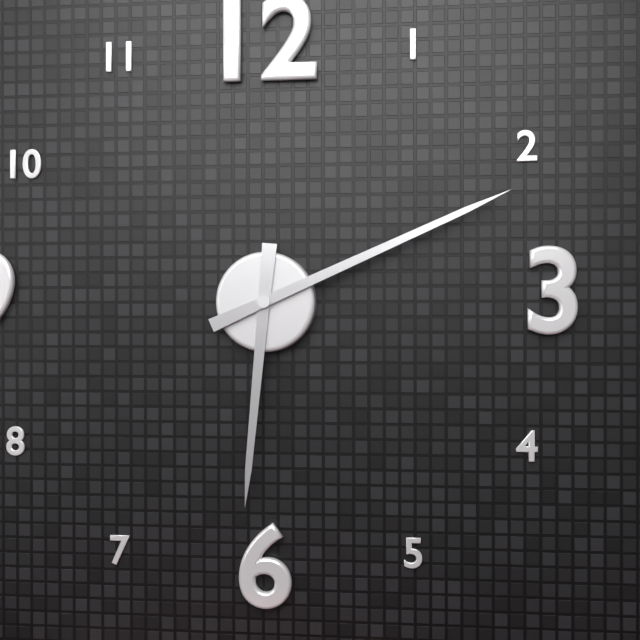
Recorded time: **6:11**
